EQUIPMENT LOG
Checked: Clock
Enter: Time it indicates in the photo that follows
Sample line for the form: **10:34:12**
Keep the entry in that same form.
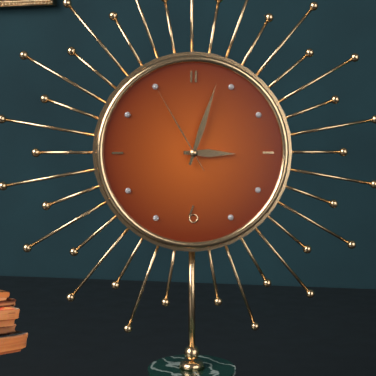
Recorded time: **3:03:55**
